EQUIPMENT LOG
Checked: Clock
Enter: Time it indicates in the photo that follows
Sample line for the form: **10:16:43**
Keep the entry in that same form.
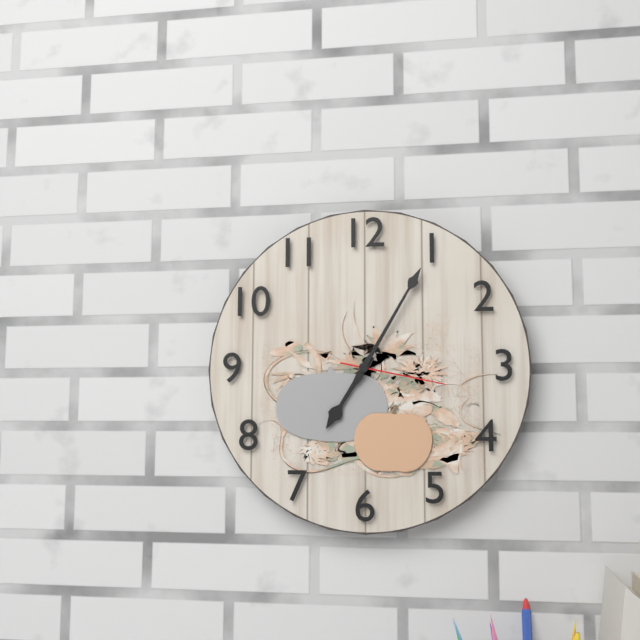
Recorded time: **7:05:17**
